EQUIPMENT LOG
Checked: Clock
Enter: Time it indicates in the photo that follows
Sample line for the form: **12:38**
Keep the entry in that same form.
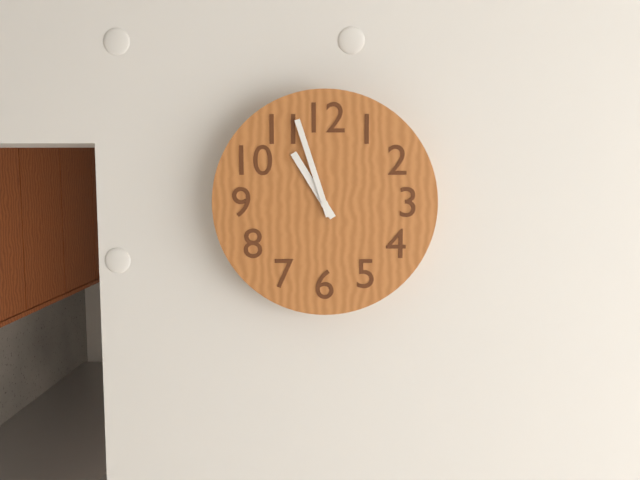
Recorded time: **10:57**
